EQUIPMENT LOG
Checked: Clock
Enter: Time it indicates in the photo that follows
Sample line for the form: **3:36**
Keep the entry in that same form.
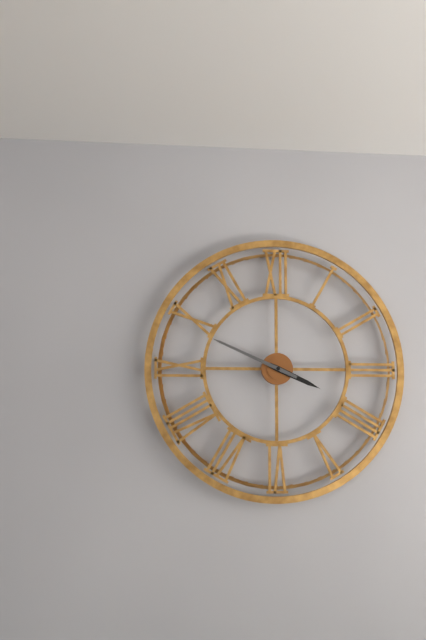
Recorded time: **3:49**
